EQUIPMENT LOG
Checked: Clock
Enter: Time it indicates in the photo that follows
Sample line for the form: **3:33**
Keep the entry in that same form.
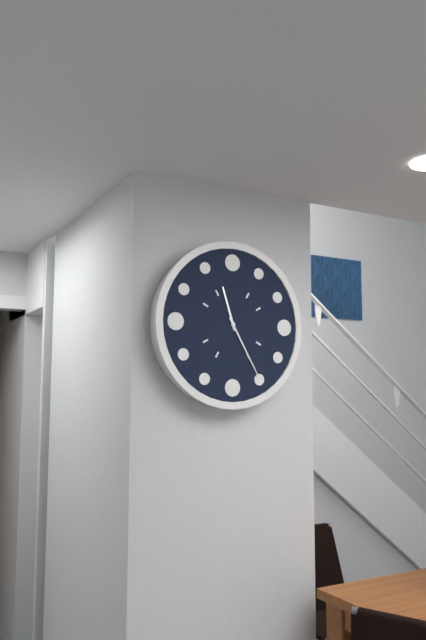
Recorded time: **11:25**
